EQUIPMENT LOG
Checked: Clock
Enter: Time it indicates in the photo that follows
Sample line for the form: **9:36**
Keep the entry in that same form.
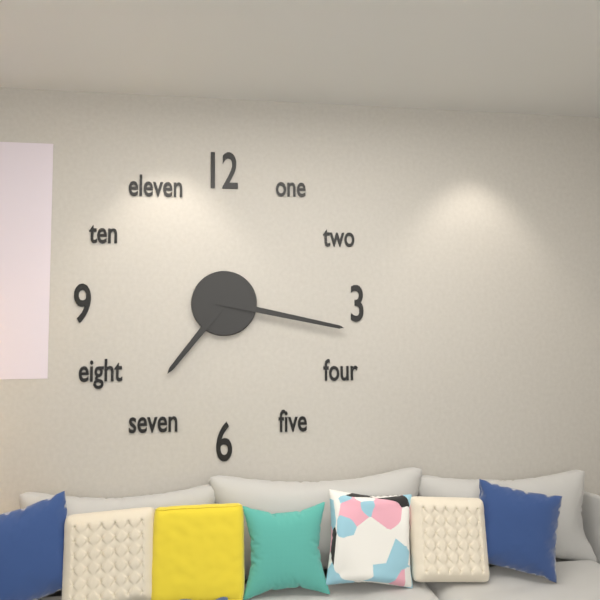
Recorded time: **7:17**
